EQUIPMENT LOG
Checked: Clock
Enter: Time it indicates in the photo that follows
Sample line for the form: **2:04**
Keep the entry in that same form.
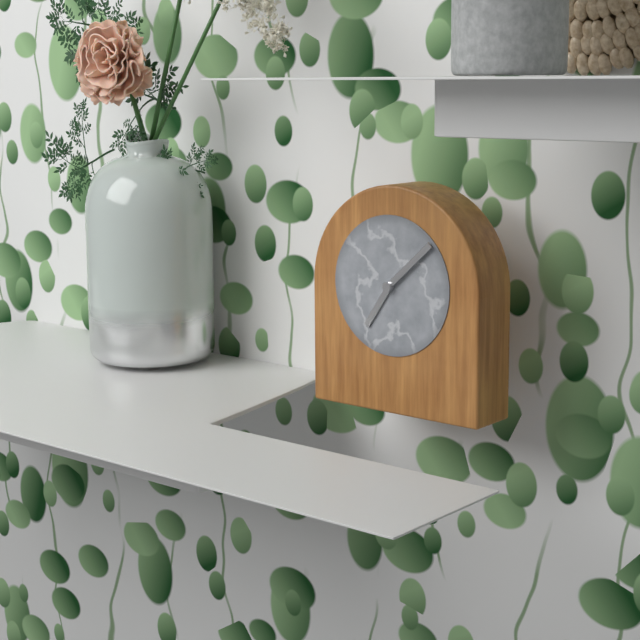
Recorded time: **7:08**
